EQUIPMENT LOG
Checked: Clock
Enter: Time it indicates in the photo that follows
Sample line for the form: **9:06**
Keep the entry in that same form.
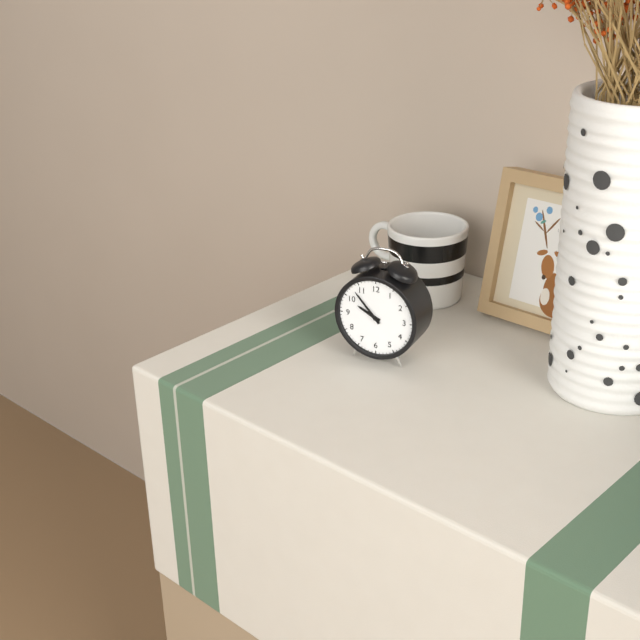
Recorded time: **9:53**
